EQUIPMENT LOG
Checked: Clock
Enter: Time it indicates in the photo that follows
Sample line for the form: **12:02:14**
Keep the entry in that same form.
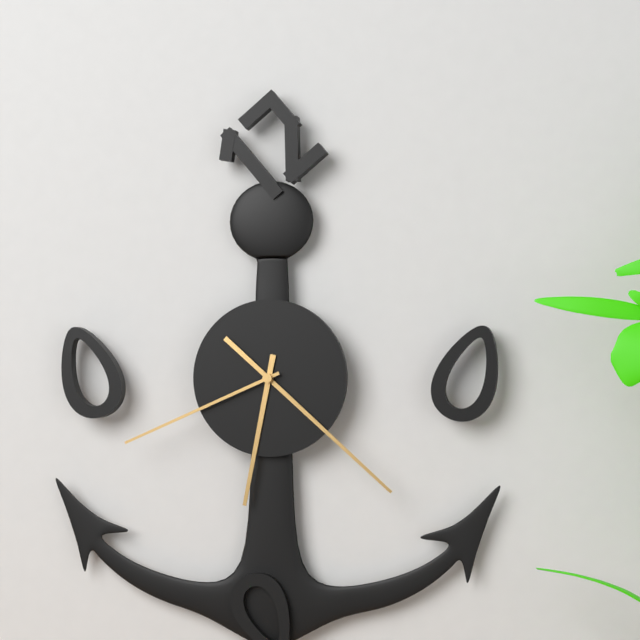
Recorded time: **6:22:41**
